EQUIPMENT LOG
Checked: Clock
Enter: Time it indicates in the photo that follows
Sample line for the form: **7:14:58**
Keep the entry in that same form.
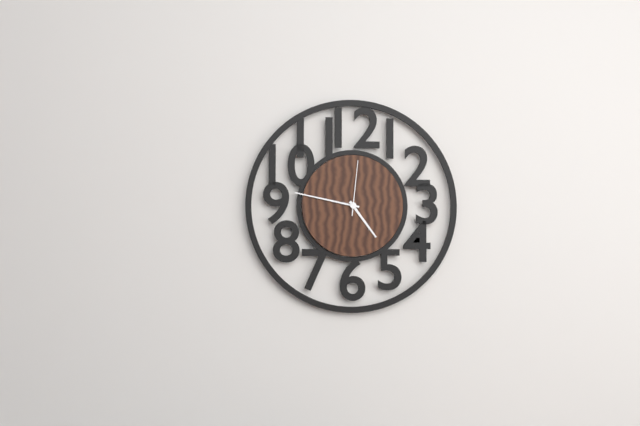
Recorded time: **4:47:01**
